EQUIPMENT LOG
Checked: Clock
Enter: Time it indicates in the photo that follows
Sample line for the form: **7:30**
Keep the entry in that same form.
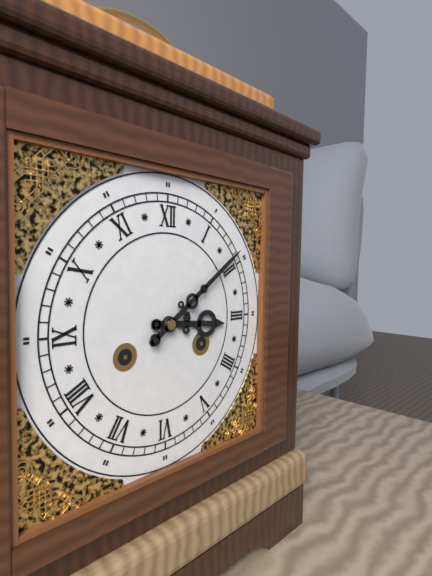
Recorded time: **3:09**
